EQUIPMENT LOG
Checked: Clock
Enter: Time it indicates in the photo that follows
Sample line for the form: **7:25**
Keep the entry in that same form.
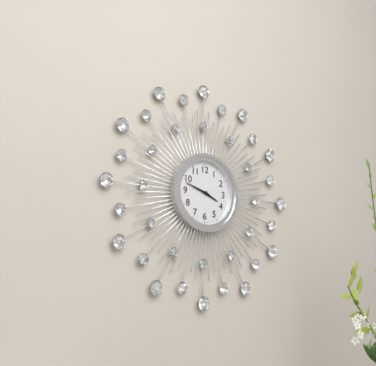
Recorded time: **3:48**
